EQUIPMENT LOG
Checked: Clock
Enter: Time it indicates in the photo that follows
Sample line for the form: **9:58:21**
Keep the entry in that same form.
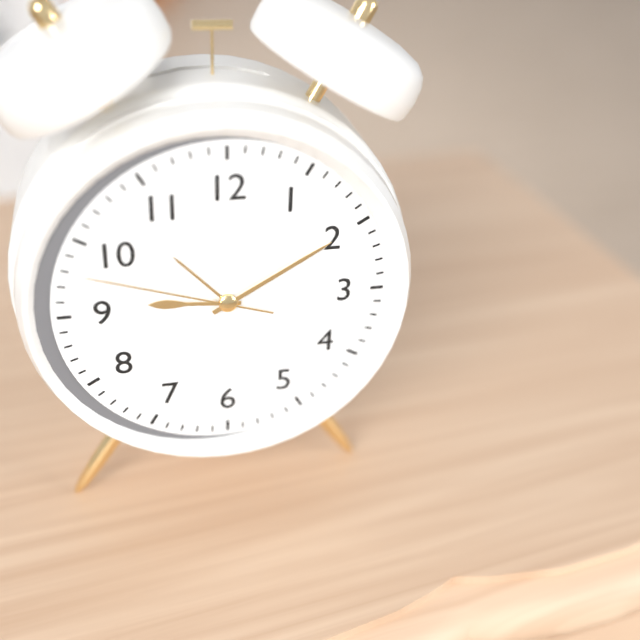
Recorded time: **9:10:48**
